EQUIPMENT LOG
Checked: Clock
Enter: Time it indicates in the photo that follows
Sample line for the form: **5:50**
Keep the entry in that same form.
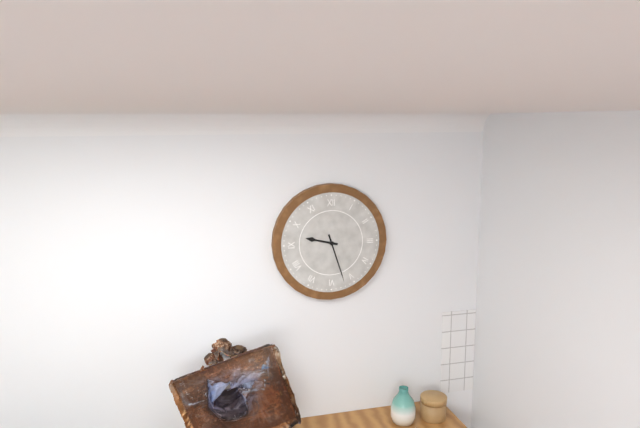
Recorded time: **9:27**
